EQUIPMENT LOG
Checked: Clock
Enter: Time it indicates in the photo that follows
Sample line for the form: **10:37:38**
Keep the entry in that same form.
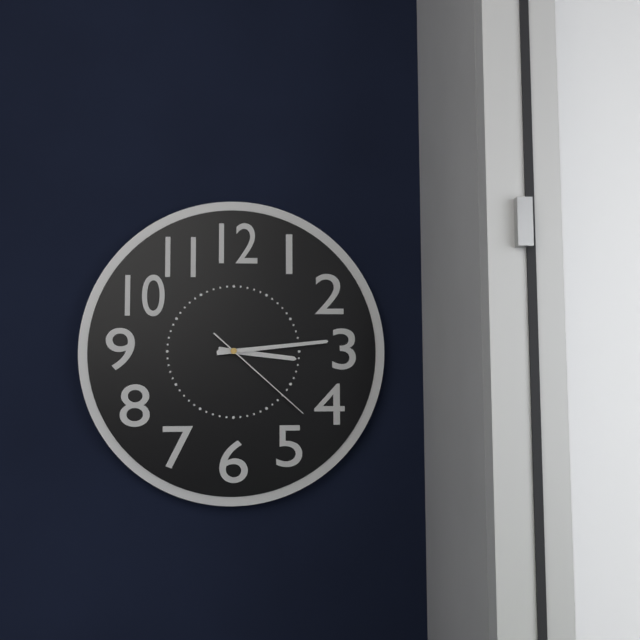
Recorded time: **3:14:22**
